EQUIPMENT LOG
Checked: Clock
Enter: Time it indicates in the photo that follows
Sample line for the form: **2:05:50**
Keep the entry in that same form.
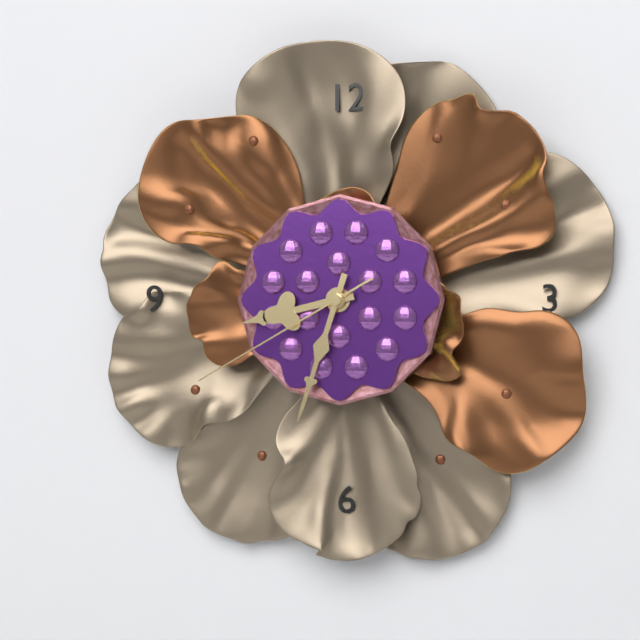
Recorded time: **8:33:40**
